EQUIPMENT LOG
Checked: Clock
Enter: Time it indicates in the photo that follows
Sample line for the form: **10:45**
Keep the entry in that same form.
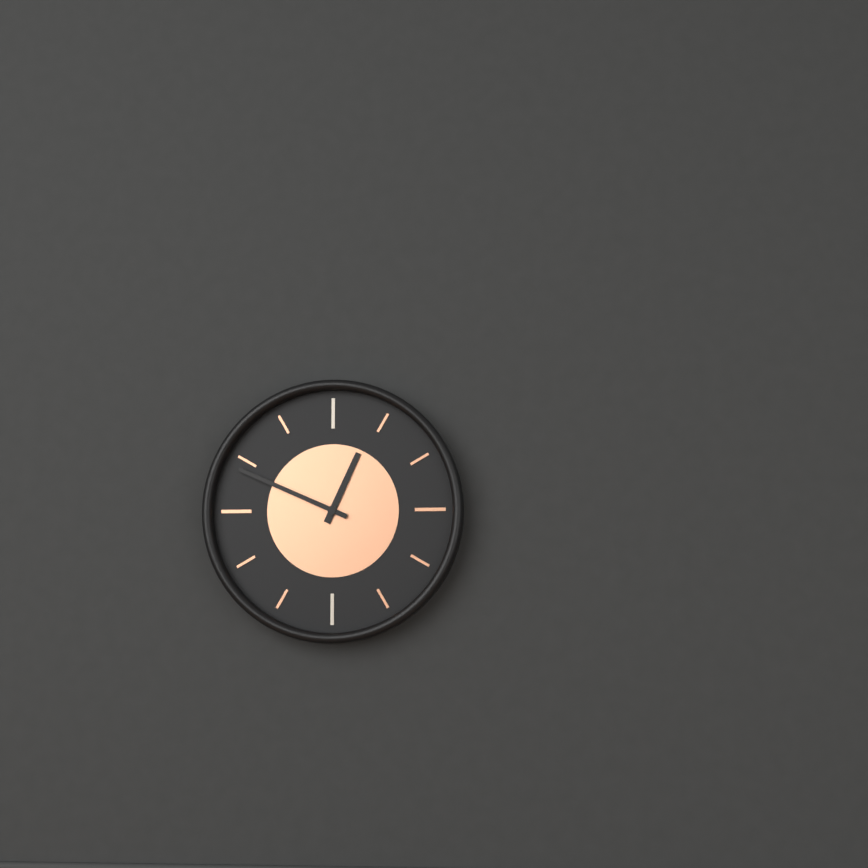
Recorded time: **12:49**
